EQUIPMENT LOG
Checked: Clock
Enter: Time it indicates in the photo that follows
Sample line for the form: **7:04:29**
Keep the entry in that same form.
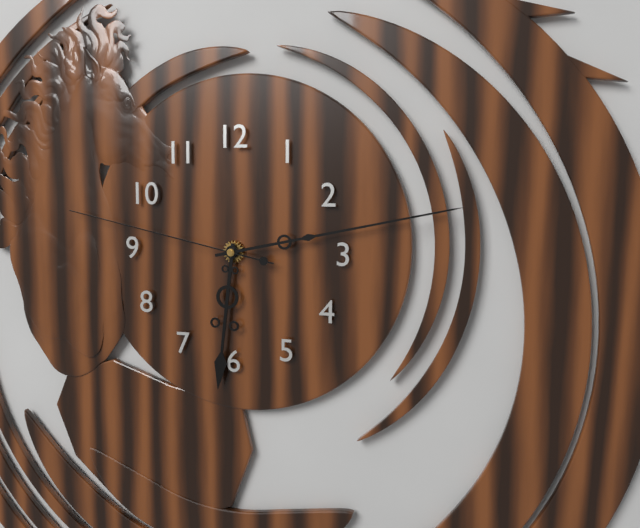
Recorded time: **6:13:47**
